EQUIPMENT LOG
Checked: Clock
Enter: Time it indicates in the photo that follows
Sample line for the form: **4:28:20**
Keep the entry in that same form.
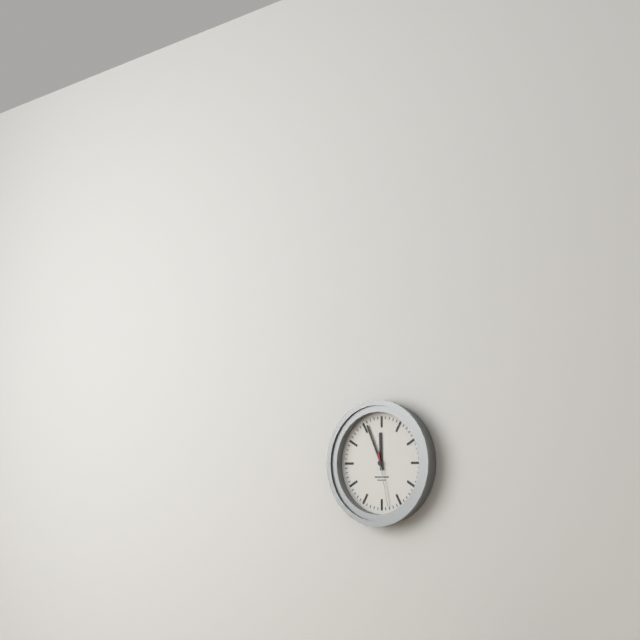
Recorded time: **11:56:28**
